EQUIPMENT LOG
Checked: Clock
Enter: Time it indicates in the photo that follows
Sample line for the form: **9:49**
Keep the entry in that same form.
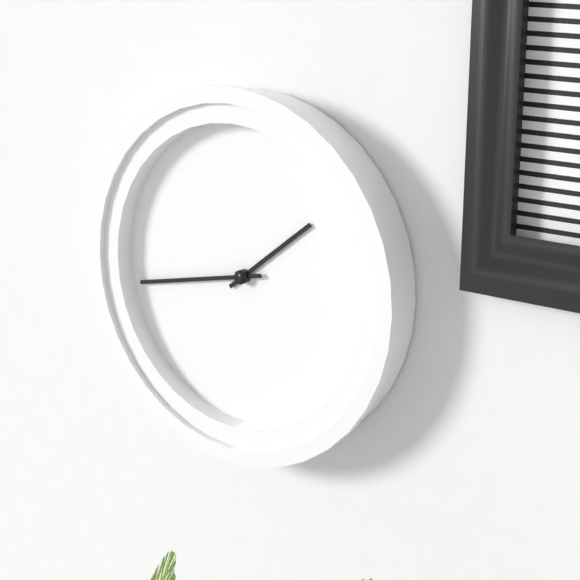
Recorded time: **1:43**
